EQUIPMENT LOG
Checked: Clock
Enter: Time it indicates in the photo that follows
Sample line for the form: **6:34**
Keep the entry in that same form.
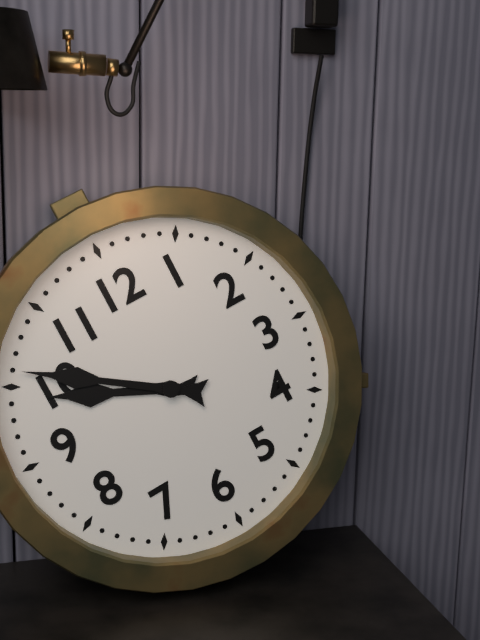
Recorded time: **9:51**
